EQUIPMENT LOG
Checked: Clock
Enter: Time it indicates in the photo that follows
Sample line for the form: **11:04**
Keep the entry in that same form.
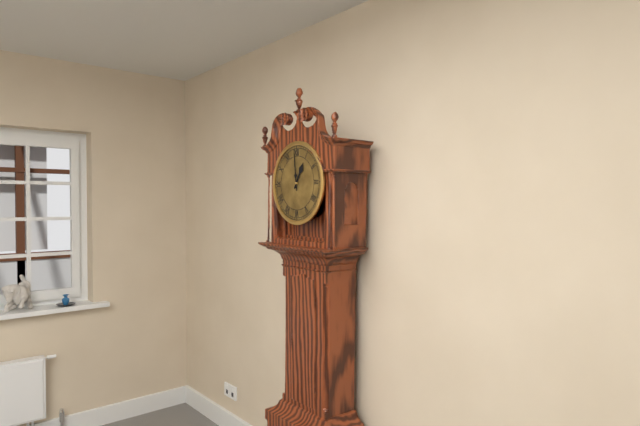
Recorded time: **12:59**
